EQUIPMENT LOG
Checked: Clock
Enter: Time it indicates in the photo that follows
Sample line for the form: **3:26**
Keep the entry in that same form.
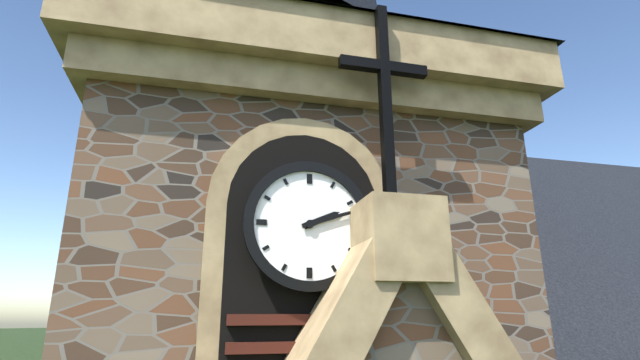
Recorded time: **2:12**
